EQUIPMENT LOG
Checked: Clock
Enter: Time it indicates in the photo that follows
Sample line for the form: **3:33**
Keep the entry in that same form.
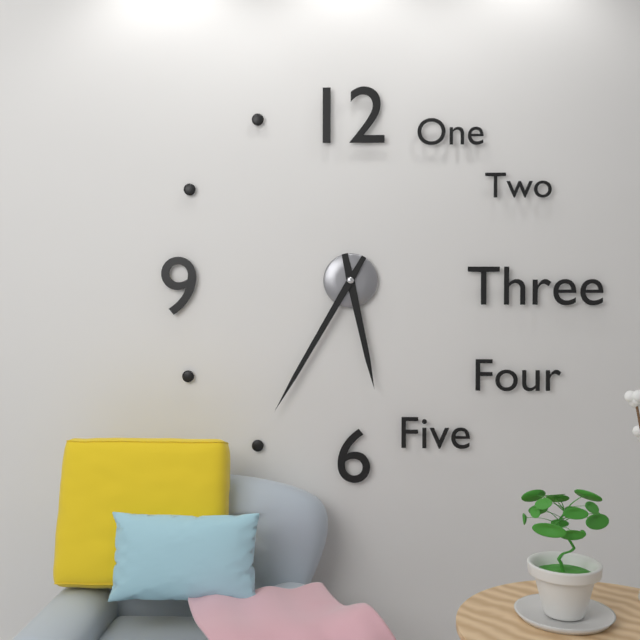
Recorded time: **5:35**
